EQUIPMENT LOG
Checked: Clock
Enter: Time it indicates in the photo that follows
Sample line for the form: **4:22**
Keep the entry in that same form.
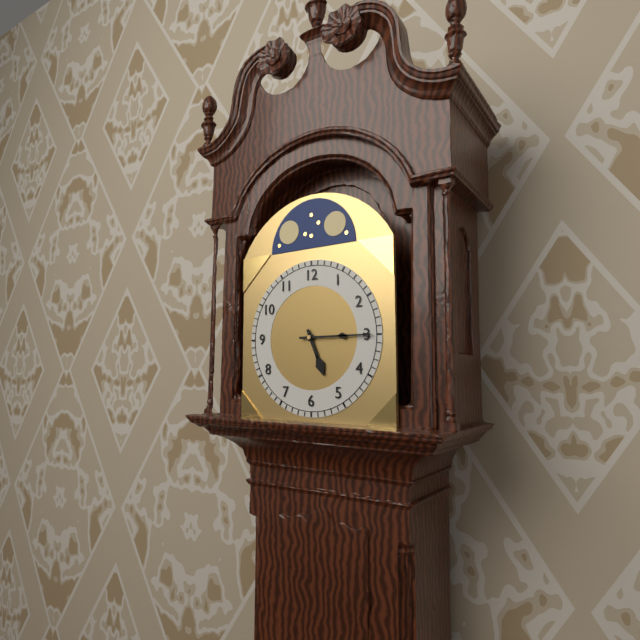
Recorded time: **5:15**
